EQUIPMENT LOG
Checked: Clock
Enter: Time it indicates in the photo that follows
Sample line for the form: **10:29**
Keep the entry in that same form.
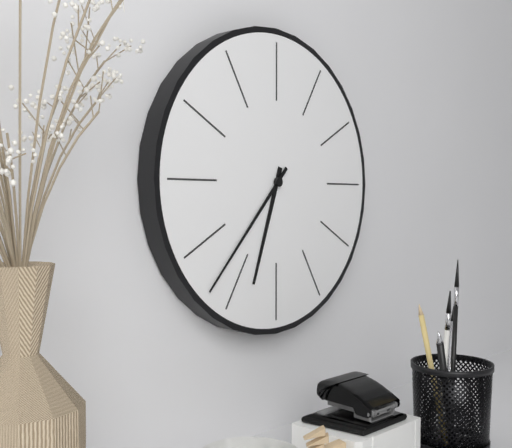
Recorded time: **6:37**
